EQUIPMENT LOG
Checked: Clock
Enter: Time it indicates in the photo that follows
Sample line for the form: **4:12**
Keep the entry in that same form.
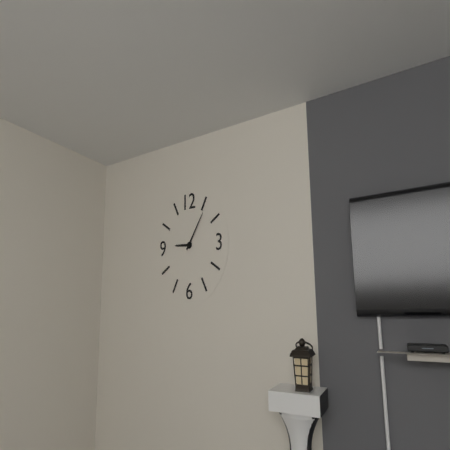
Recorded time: **9:06**
